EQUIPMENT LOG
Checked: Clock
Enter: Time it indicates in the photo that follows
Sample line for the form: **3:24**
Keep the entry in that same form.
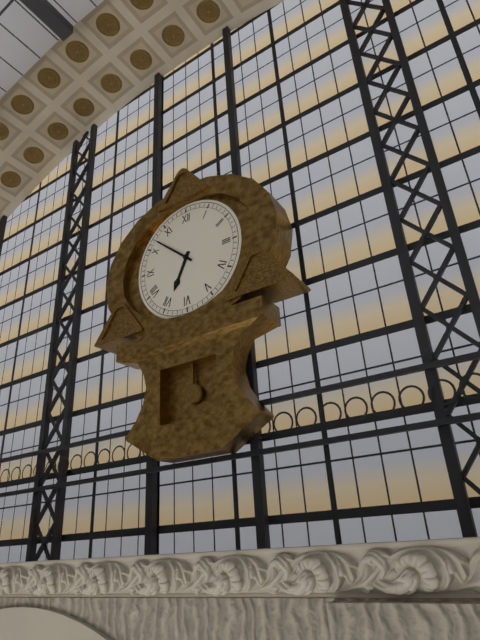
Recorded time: **6:52**
